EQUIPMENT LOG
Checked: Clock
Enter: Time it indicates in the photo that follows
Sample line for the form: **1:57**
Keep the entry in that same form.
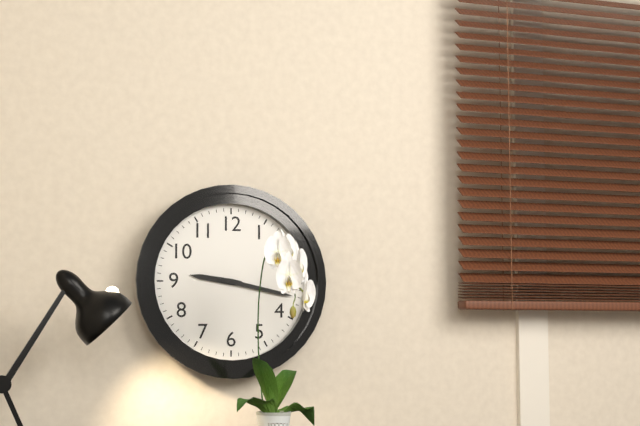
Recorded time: **9:17**
